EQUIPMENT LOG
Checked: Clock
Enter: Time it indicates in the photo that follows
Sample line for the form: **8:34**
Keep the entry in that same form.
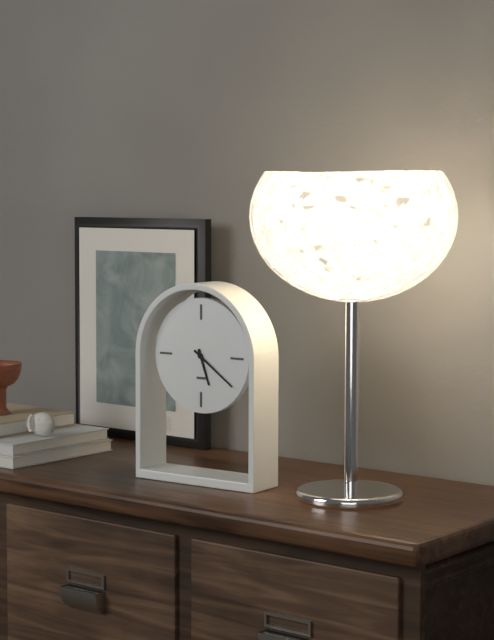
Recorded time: **5:21**
